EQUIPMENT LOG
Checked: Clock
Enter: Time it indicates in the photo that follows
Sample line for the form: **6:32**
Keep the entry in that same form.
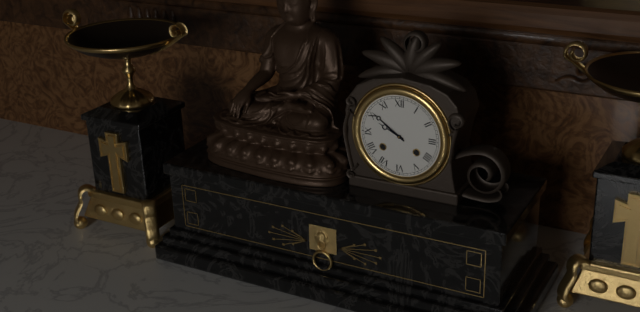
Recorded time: **9:51**
